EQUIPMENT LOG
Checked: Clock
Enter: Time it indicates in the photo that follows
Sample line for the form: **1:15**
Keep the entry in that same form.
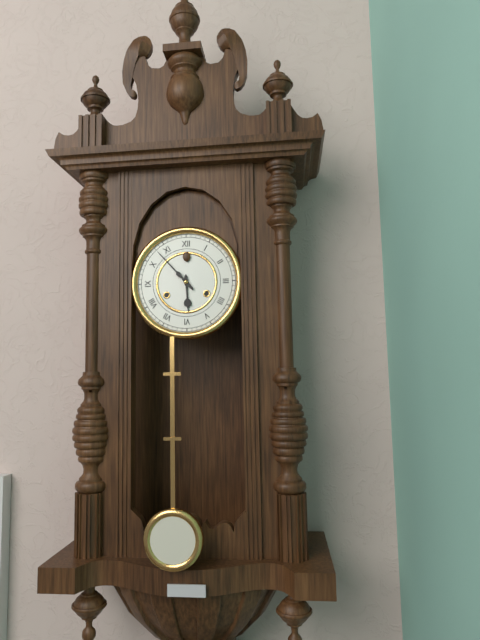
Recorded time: **5:53**
